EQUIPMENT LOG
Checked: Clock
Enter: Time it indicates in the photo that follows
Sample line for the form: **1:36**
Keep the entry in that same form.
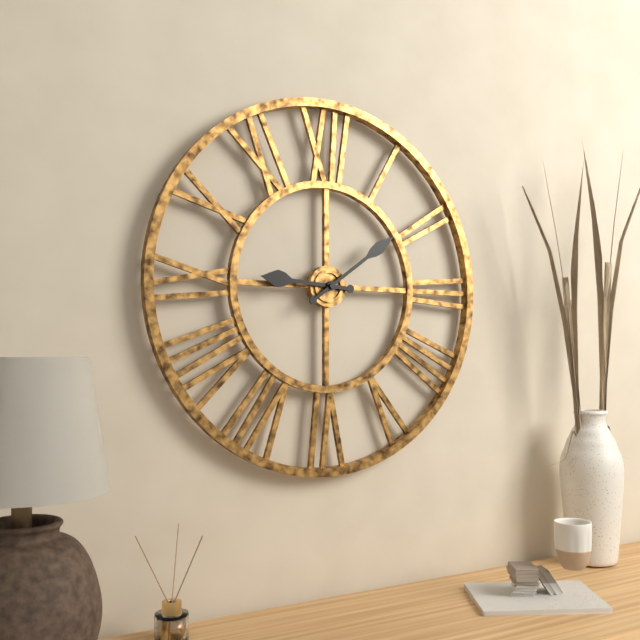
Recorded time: **9:09**
